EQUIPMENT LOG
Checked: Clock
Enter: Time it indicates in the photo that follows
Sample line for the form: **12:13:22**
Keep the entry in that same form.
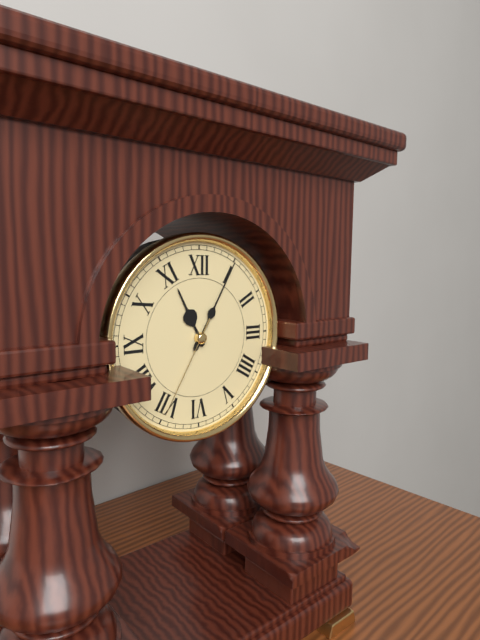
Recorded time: **11:05:35**
